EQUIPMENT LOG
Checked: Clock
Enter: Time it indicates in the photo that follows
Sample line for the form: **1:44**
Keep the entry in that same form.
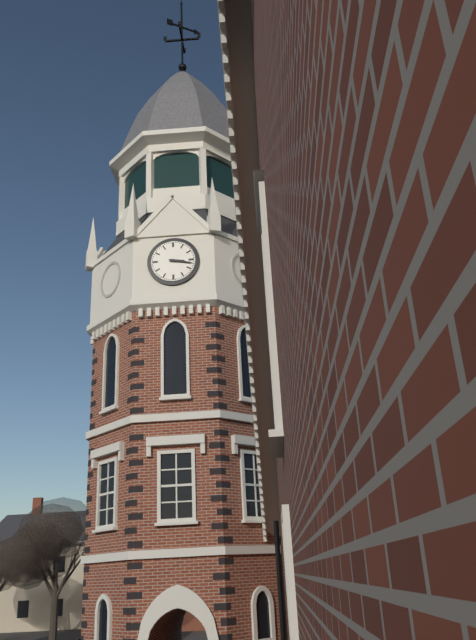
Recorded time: **3:17**
